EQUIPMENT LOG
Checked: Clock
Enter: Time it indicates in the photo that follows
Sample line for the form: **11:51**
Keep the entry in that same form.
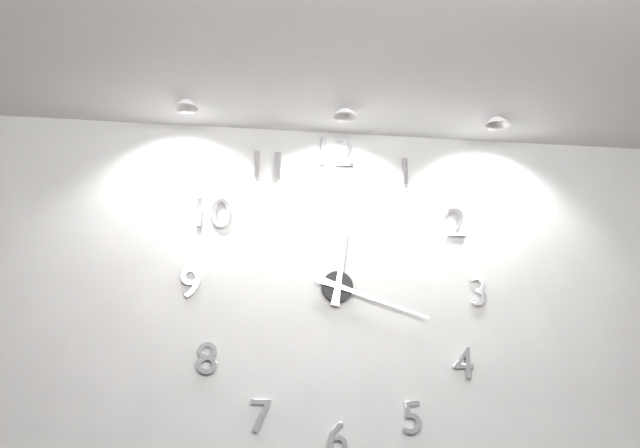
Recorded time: **12:18**
